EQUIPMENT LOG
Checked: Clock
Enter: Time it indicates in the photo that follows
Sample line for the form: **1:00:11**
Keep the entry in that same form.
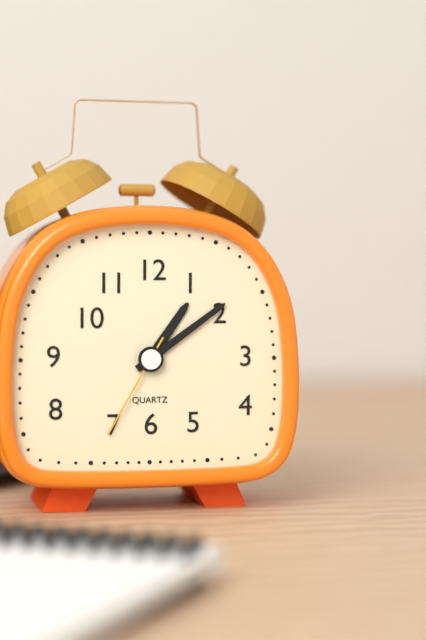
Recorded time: **1:09:35**
